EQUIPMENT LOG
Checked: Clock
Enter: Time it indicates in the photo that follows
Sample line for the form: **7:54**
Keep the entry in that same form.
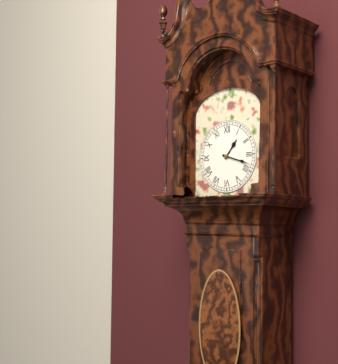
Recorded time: **1:18**
